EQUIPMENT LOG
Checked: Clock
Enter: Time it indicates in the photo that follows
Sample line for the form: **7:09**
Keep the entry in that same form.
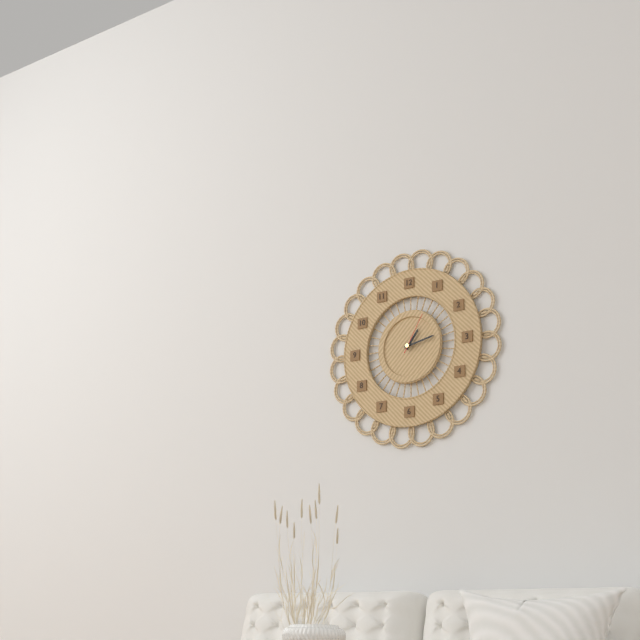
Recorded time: **1:13**
